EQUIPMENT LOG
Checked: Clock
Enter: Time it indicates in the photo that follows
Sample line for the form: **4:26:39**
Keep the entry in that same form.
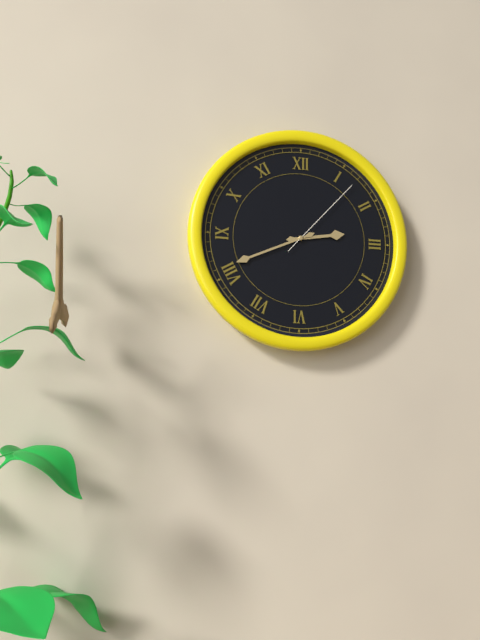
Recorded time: **2:41:07**
